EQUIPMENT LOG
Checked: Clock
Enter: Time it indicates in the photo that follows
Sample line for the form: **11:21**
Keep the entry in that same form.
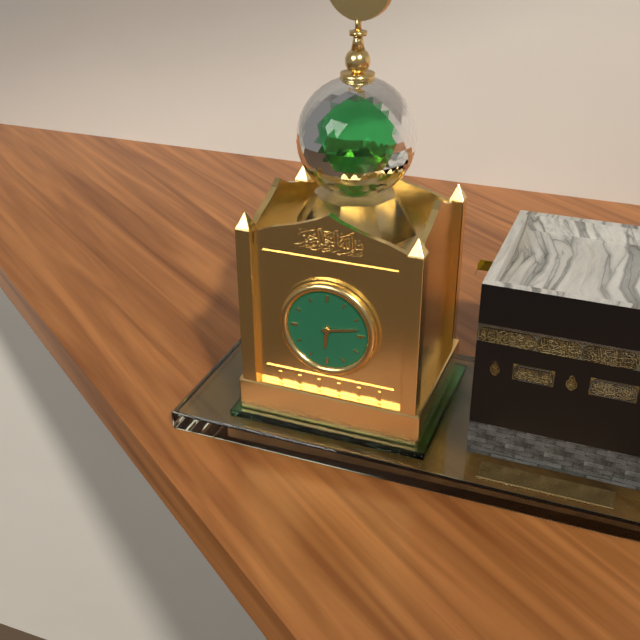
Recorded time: **6:13**
